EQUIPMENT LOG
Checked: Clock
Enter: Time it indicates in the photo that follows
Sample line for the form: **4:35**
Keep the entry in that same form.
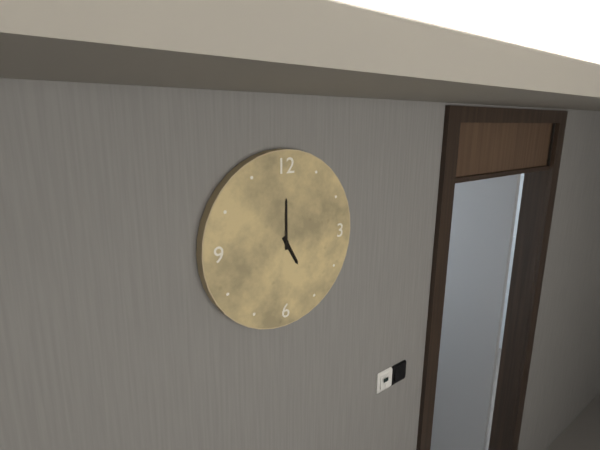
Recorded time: **5:00**
